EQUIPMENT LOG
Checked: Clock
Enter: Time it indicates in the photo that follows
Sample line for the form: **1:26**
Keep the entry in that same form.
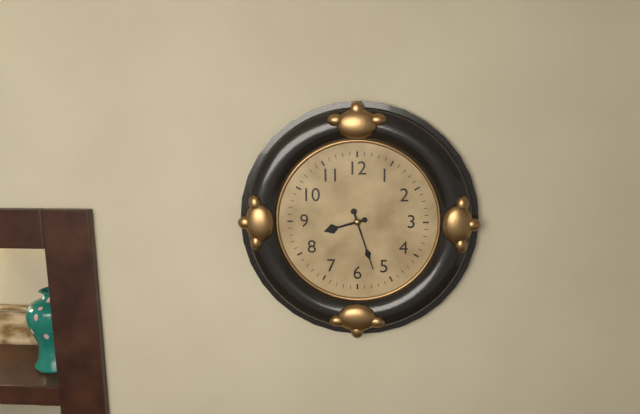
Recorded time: **8:27**
